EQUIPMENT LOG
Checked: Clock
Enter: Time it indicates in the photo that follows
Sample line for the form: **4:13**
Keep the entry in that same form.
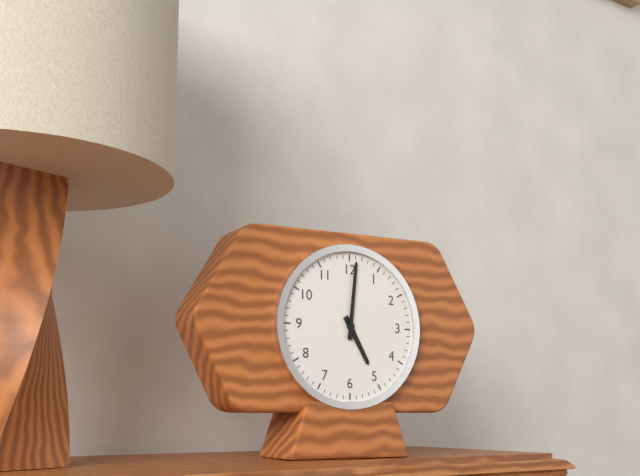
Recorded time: **5:01**
